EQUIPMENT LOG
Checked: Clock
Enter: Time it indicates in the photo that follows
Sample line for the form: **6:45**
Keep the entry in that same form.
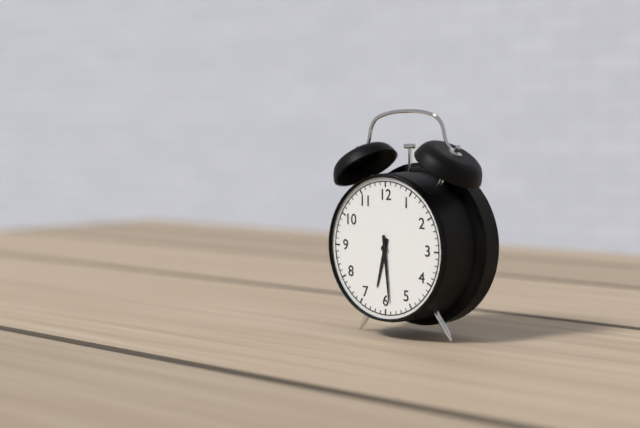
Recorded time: **6:29**
